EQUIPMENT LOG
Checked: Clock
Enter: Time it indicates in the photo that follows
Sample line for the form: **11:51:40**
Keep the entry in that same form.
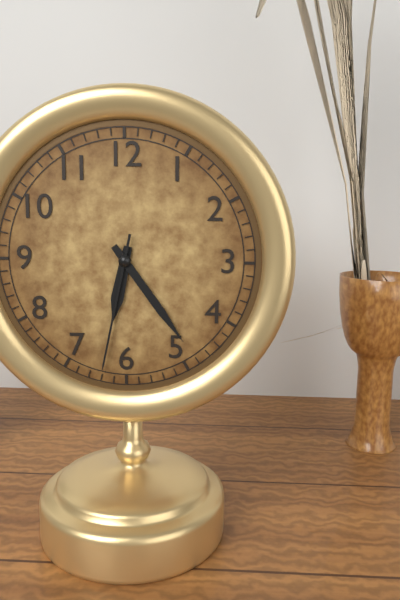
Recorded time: **6:24:32**
